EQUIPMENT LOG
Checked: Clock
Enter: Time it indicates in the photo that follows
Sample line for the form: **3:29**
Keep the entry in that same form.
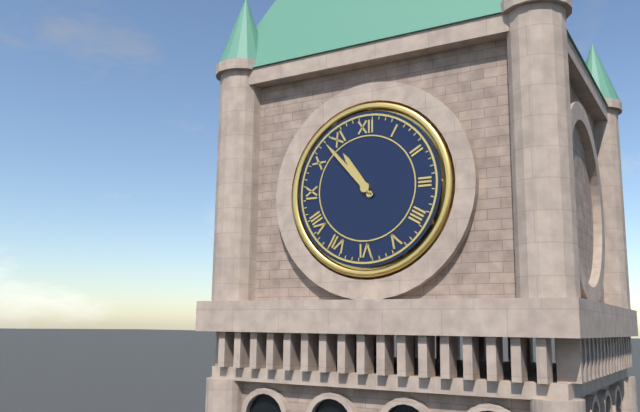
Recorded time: **10:53**
